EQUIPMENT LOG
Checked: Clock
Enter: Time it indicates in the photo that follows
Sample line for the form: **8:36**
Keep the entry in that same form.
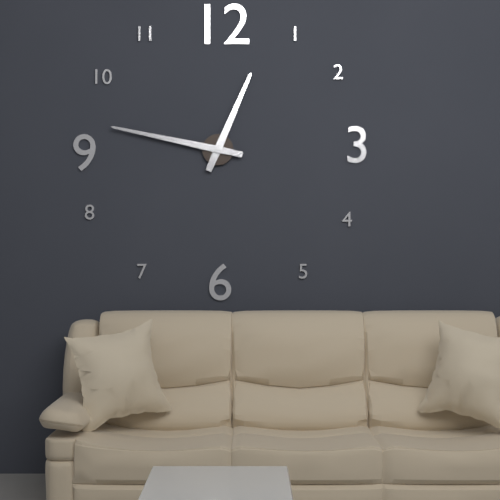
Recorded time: **12:47**
